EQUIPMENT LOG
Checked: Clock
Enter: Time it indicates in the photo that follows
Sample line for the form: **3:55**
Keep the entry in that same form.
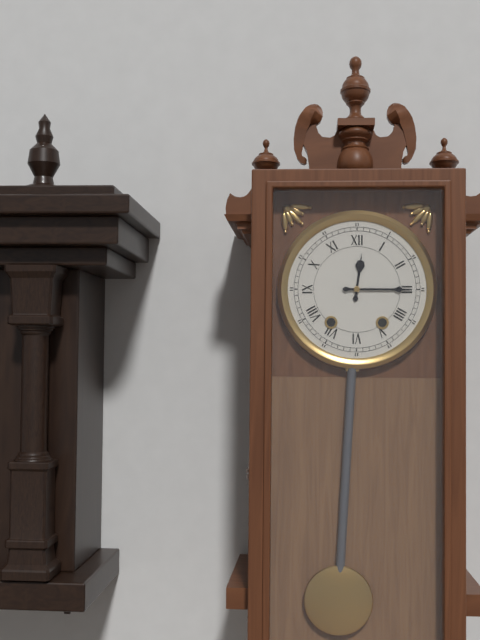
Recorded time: **12:15**
